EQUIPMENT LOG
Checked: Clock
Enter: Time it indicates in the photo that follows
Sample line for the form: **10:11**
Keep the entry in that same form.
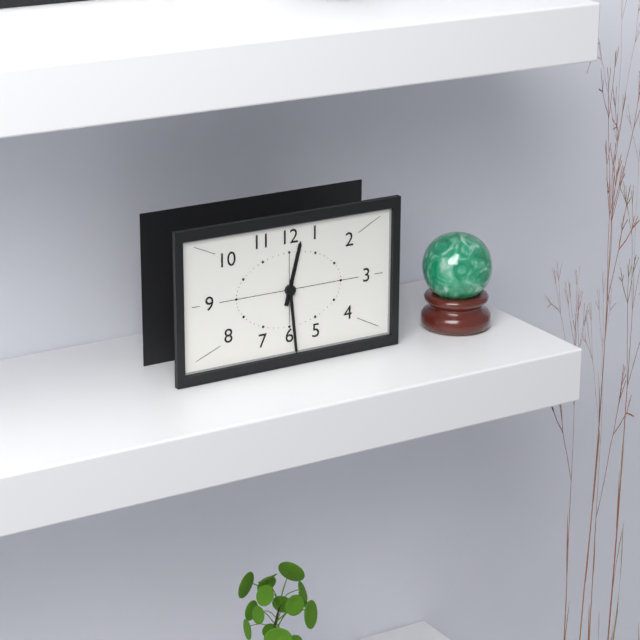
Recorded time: **12:29**
